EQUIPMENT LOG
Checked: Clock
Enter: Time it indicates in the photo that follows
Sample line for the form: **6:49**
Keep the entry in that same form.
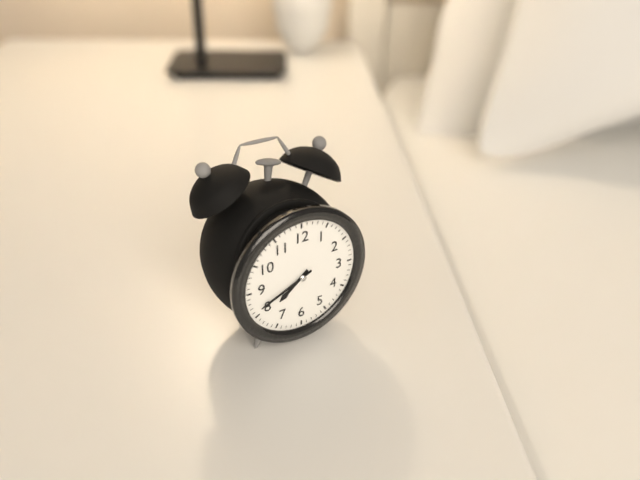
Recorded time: **7:41**
